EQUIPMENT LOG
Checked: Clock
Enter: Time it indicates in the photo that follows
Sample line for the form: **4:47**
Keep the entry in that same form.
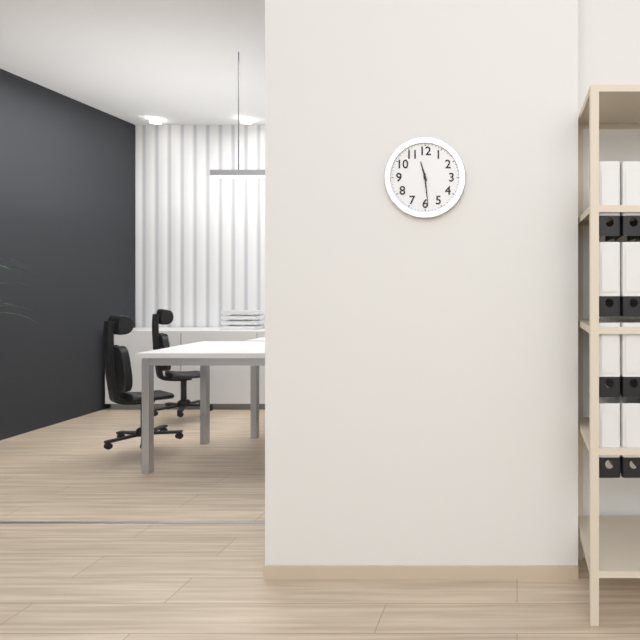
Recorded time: **11:29**
